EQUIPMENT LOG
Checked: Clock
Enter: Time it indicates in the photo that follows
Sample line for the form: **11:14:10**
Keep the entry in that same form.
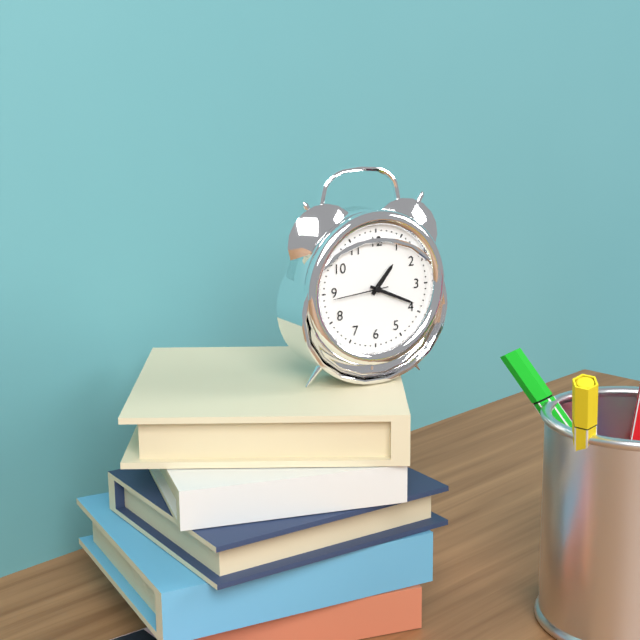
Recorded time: **1:19:44**
